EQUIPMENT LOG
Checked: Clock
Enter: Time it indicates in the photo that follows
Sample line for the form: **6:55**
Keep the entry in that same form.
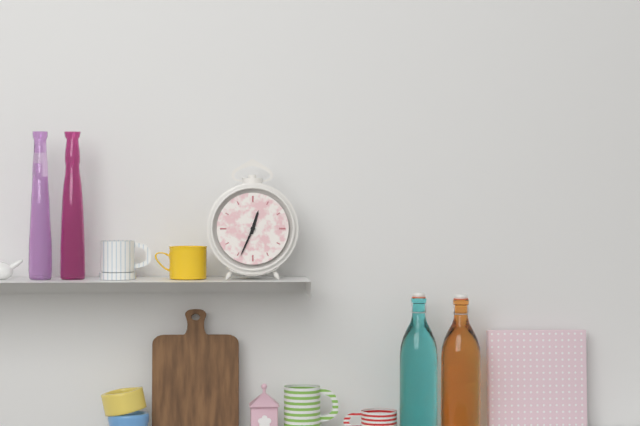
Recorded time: **12:34**
